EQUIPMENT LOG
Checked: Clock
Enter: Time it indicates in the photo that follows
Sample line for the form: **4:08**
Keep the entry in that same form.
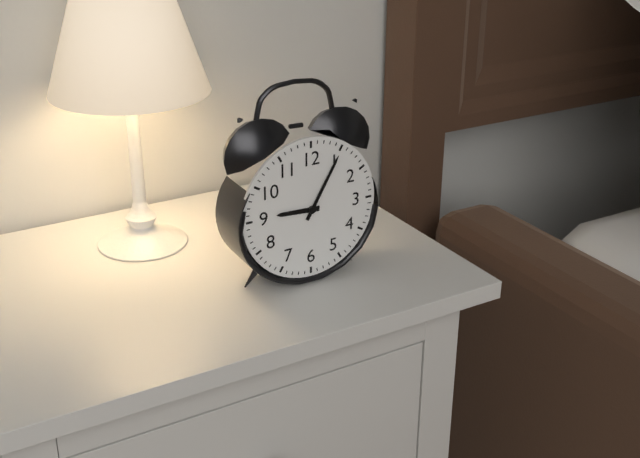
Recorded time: **9:05**
